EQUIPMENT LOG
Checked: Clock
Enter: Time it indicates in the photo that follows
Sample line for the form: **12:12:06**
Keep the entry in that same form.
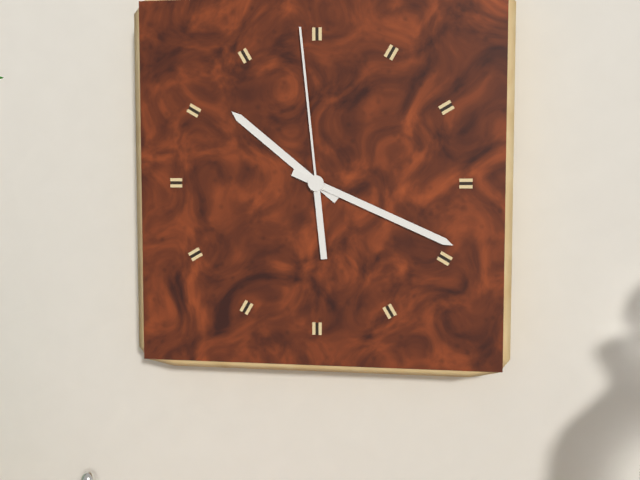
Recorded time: **10:19:59**
